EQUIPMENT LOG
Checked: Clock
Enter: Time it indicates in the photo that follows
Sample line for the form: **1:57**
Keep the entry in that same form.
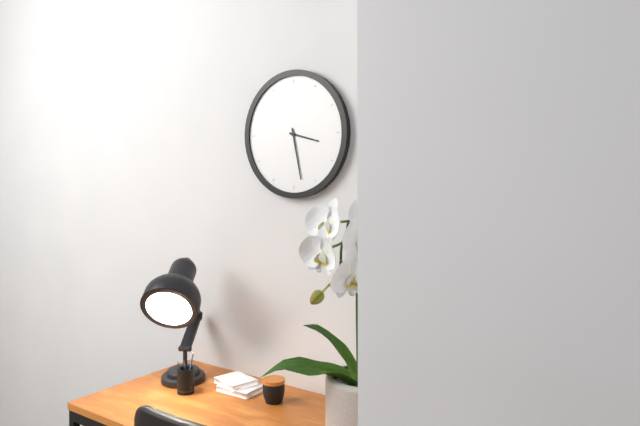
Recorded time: **3:28**
